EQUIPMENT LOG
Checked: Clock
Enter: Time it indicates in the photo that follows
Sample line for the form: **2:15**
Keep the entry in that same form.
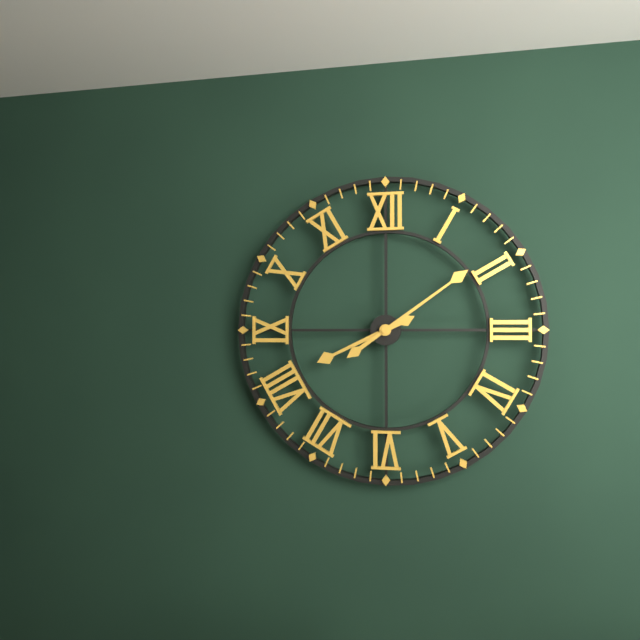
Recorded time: **8:09**
